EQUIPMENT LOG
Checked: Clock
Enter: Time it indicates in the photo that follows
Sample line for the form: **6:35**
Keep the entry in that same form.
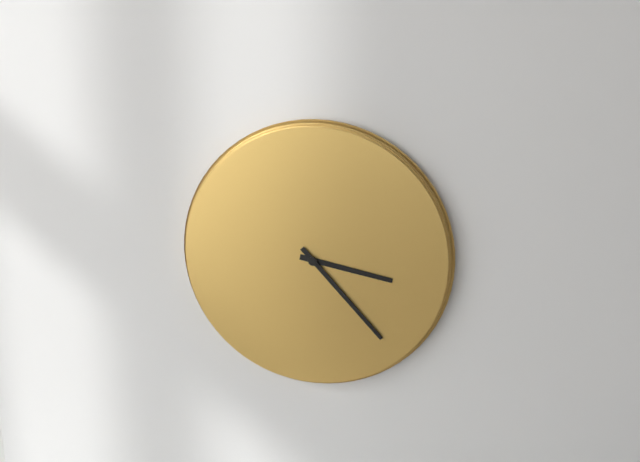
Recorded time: **3:23**
